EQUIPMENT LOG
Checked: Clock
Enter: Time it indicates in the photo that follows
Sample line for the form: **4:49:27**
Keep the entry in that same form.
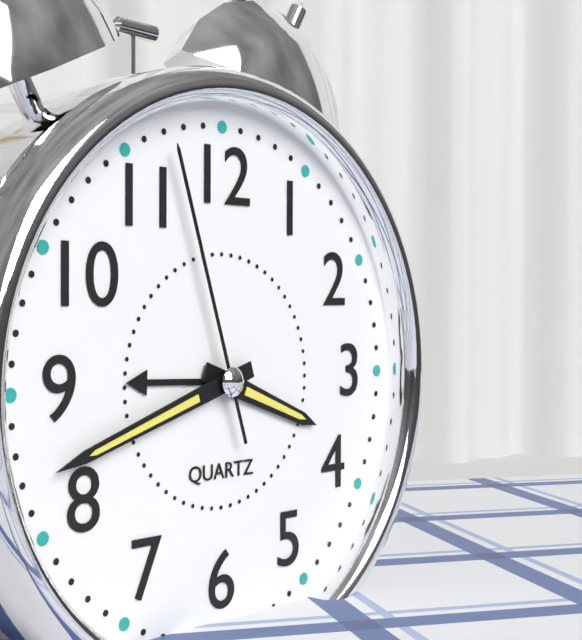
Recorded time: **3:42:57**
